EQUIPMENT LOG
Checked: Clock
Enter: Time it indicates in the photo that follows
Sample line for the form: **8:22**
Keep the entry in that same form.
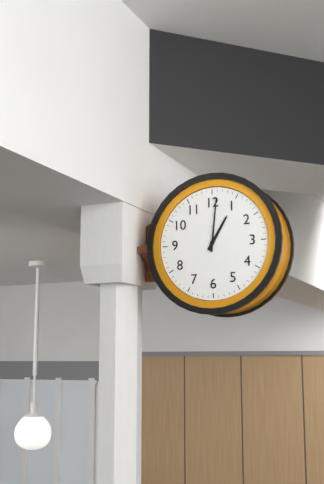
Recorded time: **1:01**
